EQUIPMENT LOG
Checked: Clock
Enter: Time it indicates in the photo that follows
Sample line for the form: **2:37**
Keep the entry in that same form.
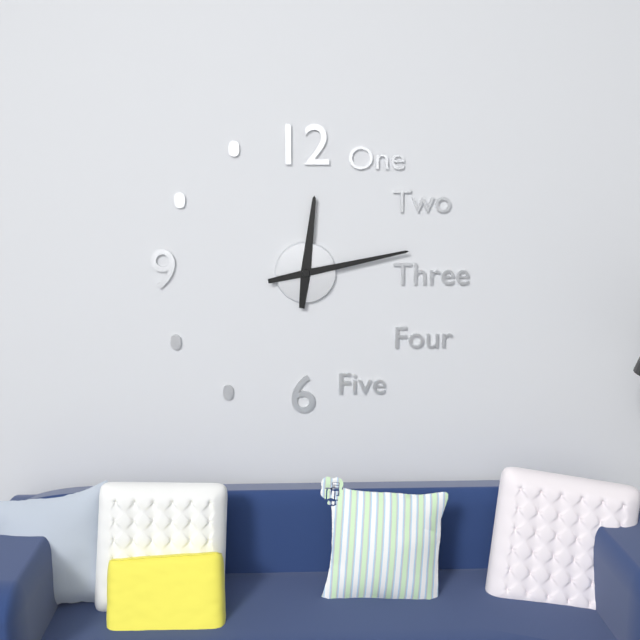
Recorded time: **12:13**
